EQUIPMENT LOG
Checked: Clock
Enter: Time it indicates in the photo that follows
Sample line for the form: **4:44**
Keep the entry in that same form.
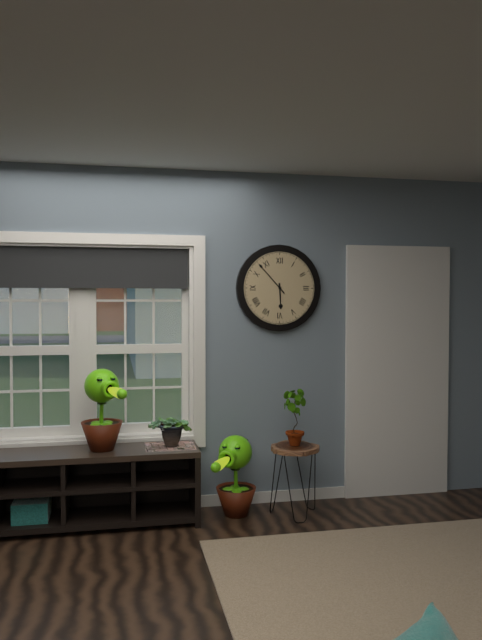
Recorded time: **5:53**
